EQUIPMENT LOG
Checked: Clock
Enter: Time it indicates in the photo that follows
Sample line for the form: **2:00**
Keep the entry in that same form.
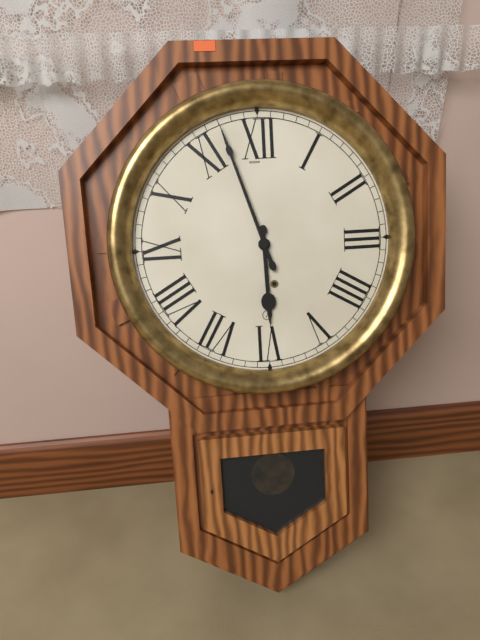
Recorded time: **5:57**
